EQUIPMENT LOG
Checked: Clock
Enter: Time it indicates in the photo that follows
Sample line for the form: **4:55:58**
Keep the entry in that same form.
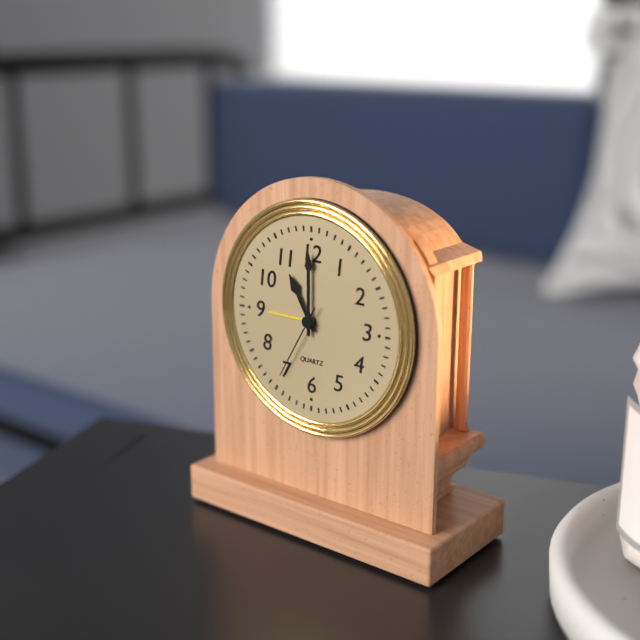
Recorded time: **11:00:35**
